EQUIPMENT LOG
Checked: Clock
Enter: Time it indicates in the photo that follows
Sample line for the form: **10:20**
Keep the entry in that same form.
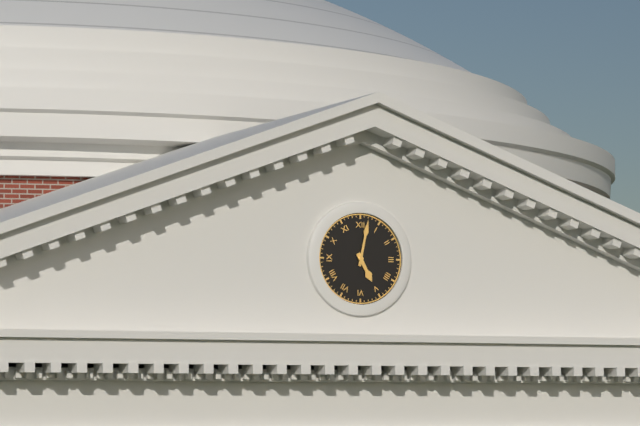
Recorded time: **5:02**
